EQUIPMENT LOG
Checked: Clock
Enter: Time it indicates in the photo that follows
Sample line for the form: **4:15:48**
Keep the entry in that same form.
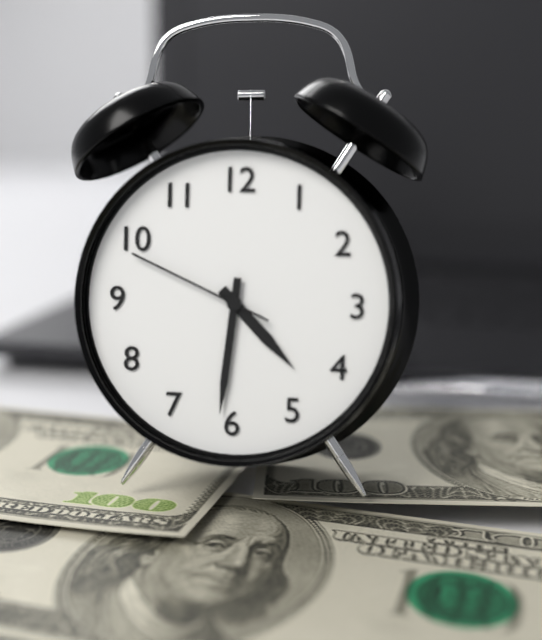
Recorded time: **4:31:49**
